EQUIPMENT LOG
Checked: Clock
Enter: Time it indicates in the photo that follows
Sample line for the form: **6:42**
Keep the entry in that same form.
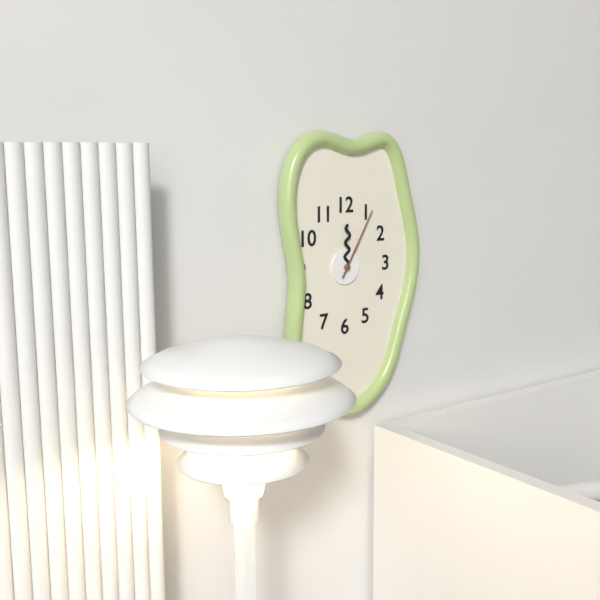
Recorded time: **12:05**
